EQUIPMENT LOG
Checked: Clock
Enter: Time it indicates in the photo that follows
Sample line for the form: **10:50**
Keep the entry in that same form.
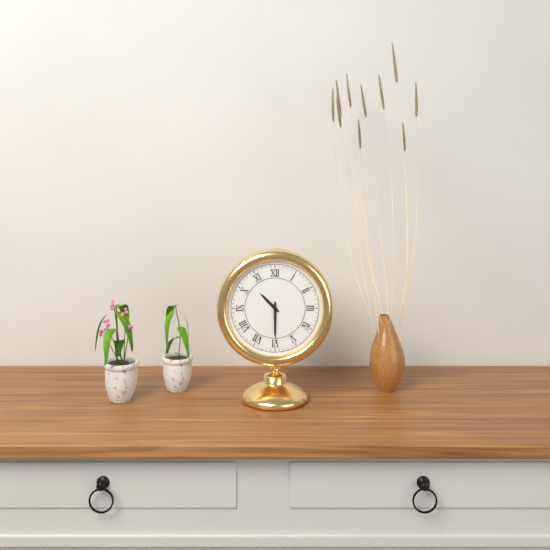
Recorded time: **10:30**
